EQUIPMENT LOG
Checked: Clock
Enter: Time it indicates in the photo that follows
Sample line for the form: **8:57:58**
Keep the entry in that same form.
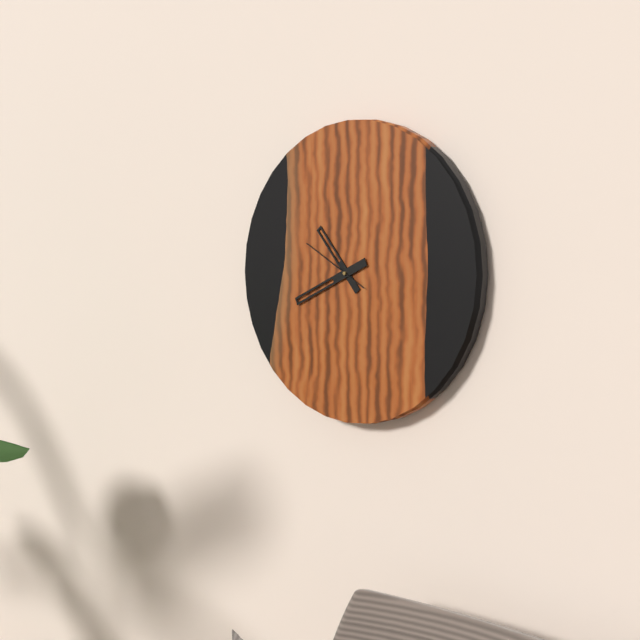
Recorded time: **10:41:50**
